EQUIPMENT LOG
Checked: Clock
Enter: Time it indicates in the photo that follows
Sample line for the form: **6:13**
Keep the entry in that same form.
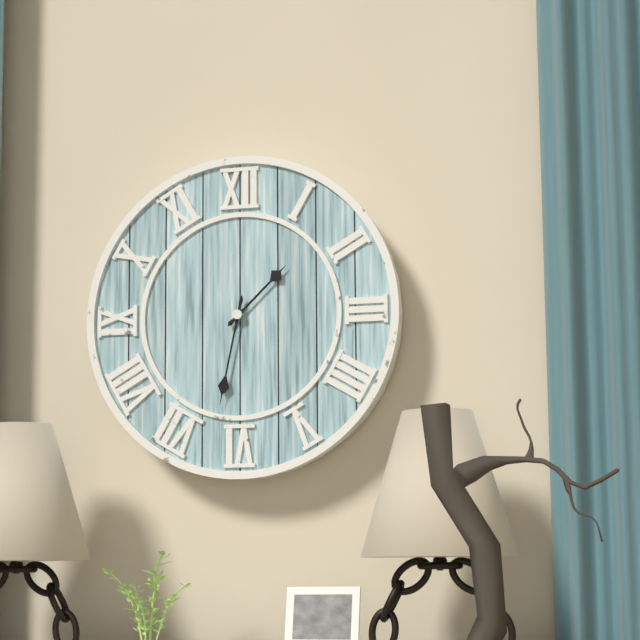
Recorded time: **1:32**
